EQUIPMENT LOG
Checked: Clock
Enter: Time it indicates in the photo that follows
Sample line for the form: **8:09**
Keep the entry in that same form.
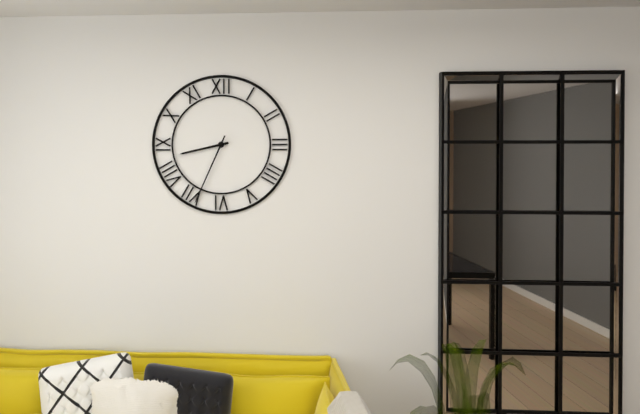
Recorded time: **8:34**
